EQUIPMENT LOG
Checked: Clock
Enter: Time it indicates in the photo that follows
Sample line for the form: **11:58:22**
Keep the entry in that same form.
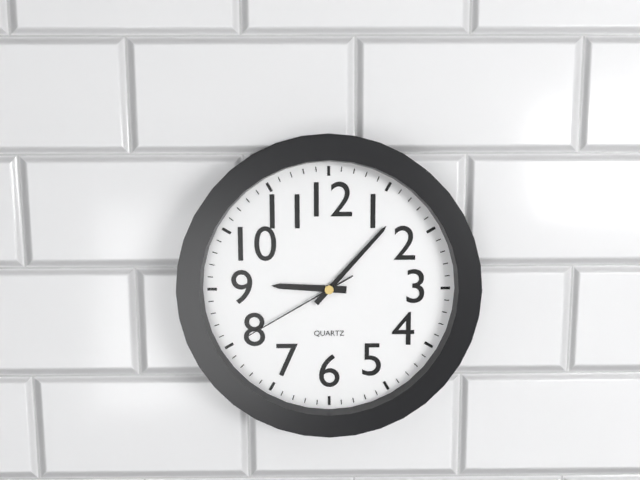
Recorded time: **9:07:40**
